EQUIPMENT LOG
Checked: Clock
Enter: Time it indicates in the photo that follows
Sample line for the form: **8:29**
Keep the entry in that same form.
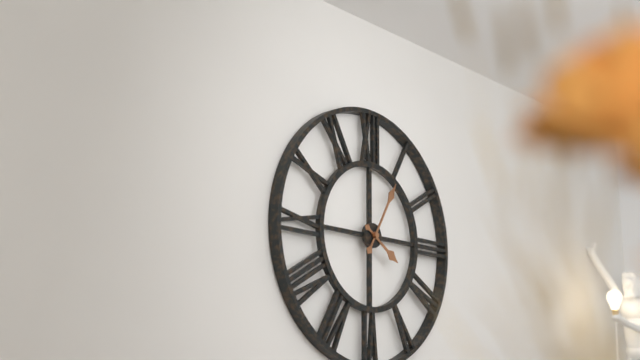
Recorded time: **4:05**
